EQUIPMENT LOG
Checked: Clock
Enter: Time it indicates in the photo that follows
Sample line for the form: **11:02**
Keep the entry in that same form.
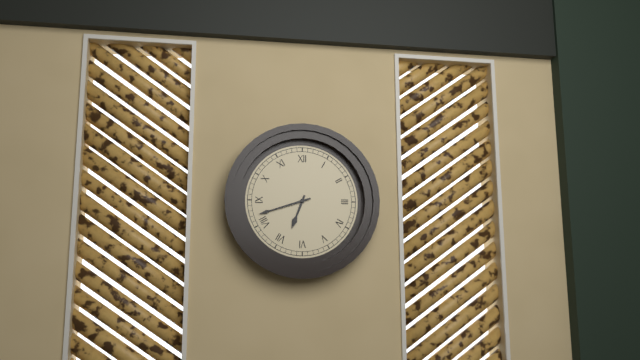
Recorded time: **6:42**
